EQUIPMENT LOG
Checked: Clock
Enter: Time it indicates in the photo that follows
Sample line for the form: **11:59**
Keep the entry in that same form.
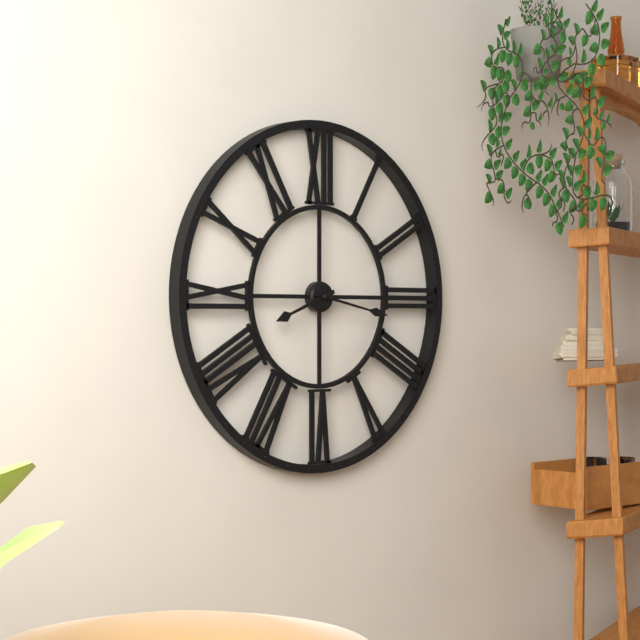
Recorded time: **8:17**
